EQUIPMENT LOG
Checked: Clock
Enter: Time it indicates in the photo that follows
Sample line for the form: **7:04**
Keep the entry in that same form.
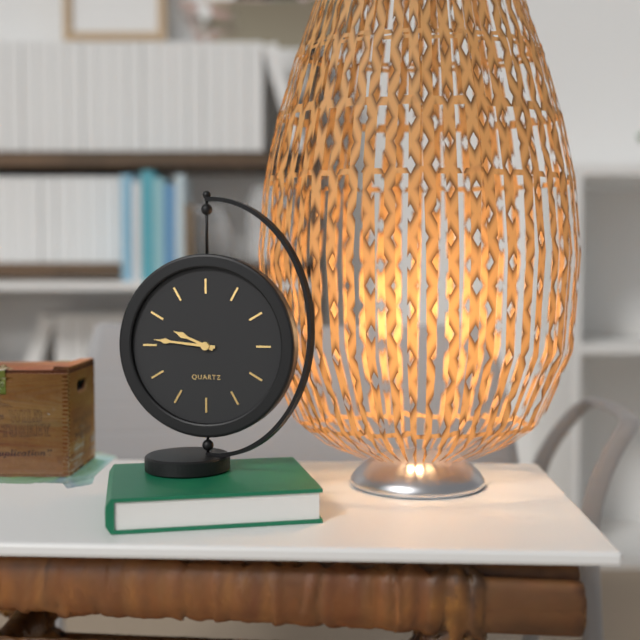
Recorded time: **9:46**
